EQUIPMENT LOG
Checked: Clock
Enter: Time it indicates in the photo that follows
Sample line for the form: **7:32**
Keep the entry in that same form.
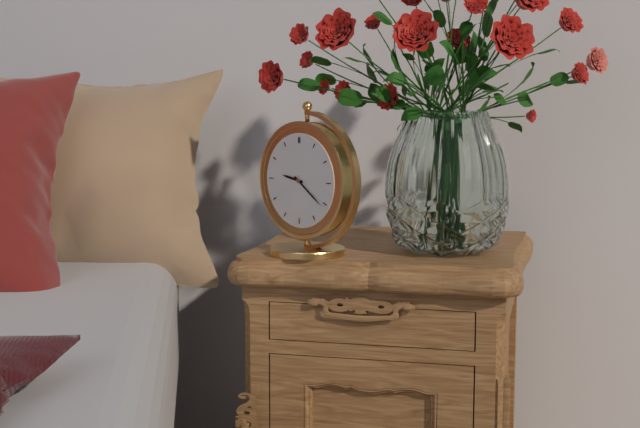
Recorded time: **9:21**
